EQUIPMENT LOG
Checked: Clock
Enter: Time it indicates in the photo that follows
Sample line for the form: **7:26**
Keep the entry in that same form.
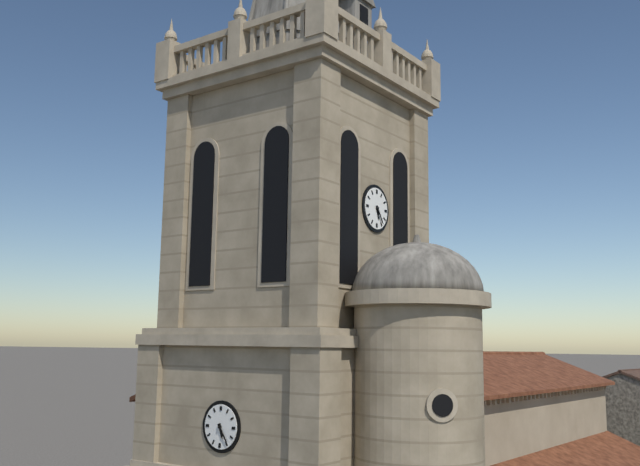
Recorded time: **5:24**
